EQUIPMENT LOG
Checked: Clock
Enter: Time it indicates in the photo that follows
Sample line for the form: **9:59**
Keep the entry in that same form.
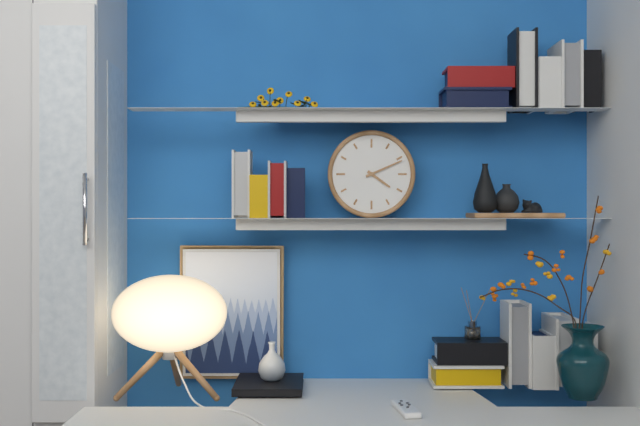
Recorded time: **4:11**
